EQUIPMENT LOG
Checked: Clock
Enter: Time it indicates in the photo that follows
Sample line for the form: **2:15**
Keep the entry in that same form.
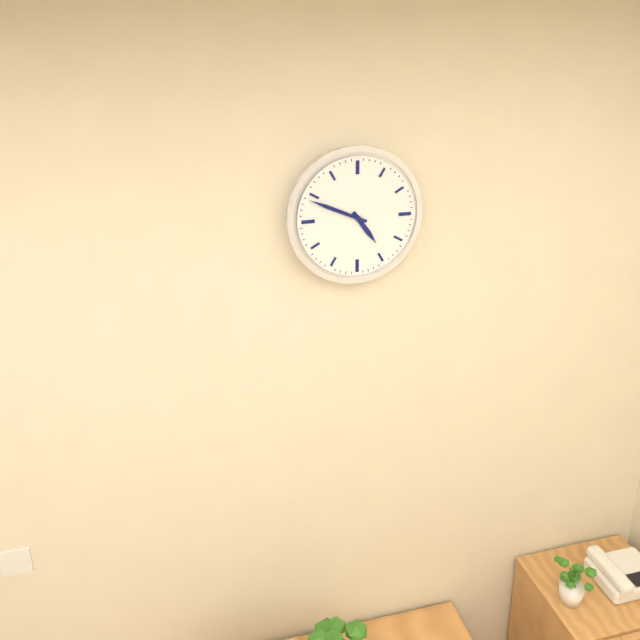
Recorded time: **4:49**
